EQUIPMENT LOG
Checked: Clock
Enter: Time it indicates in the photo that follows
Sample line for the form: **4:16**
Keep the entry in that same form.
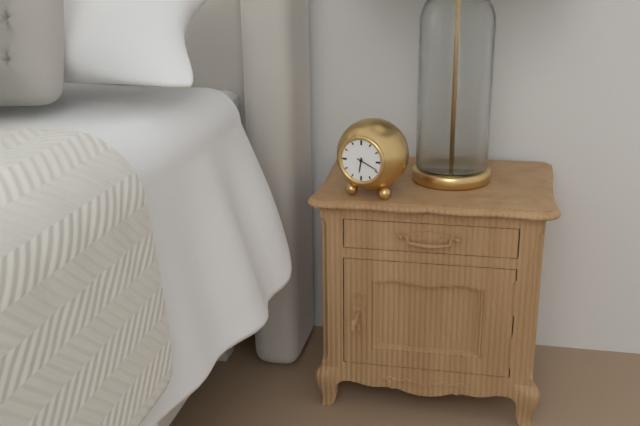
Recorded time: **6:19**
